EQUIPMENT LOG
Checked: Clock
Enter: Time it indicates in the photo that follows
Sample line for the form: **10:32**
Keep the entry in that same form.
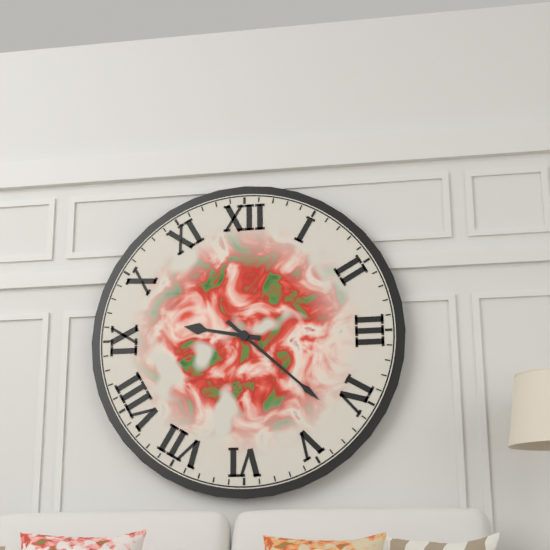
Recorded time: **9:22**
